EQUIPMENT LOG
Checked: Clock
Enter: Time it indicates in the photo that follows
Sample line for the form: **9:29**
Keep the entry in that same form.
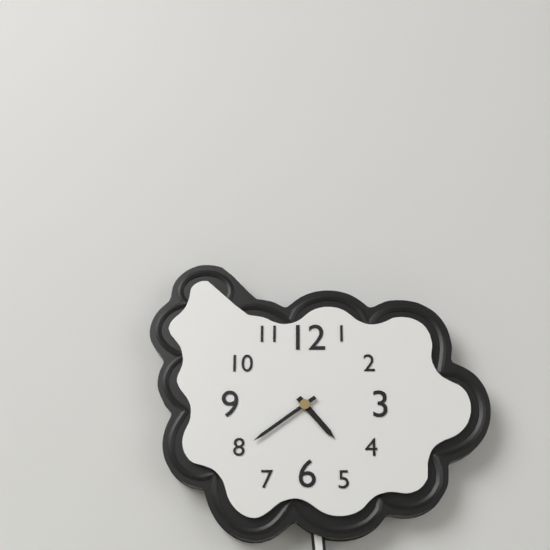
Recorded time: **4:39**
